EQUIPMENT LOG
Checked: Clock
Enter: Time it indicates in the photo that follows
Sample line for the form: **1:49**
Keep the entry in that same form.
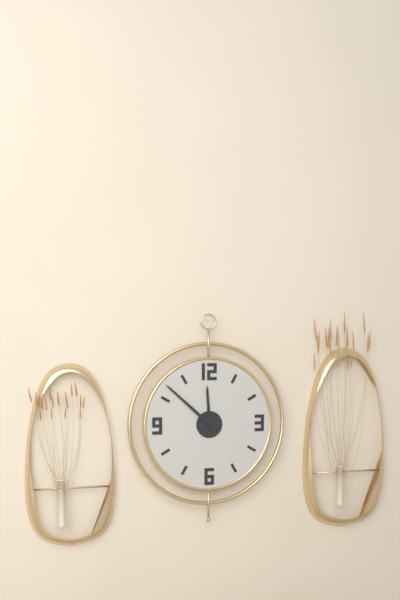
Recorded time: **11:52**
